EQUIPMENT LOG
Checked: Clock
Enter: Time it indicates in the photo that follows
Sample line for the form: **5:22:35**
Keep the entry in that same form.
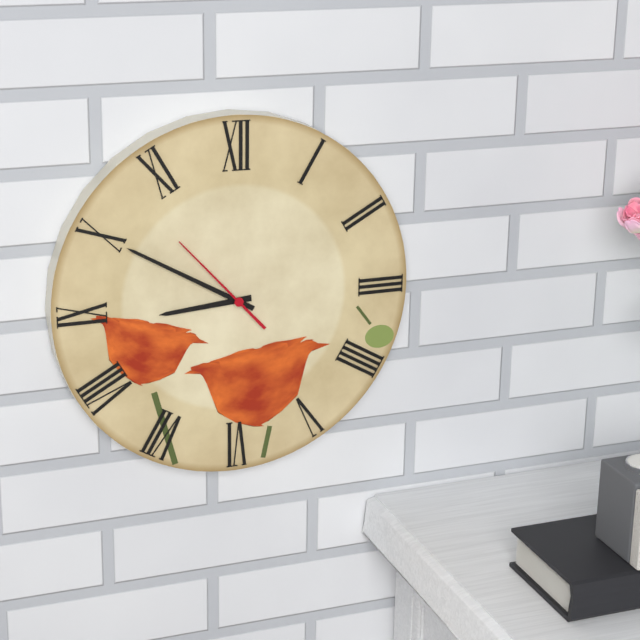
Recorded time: **8:50:53**
